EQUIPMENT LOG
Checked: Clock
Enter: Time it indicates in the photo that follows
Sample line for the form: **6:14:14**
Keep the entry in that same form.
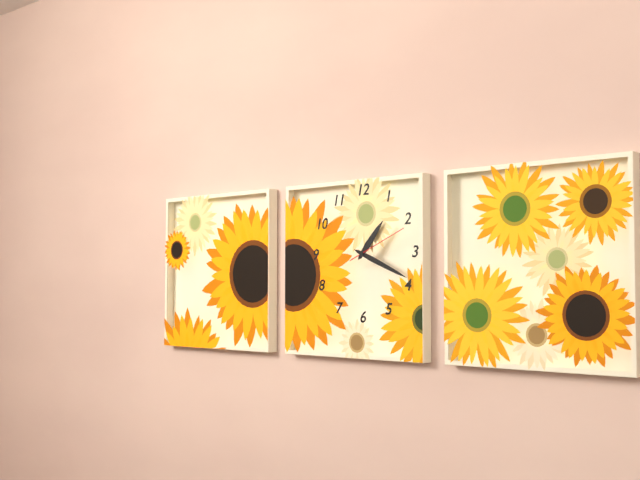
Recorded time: **1:19:11**
